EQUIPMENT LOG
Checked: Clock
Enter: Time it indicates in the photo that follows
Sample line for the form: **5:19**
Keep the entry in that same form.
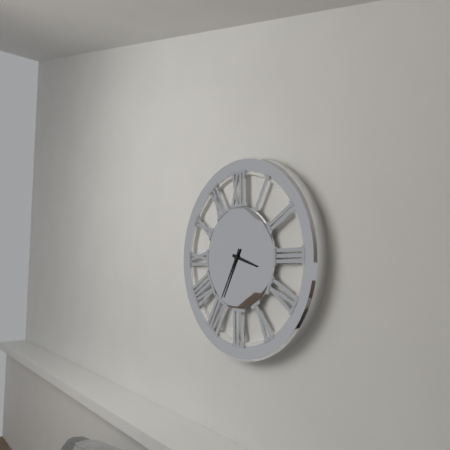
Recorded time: **3:35**
